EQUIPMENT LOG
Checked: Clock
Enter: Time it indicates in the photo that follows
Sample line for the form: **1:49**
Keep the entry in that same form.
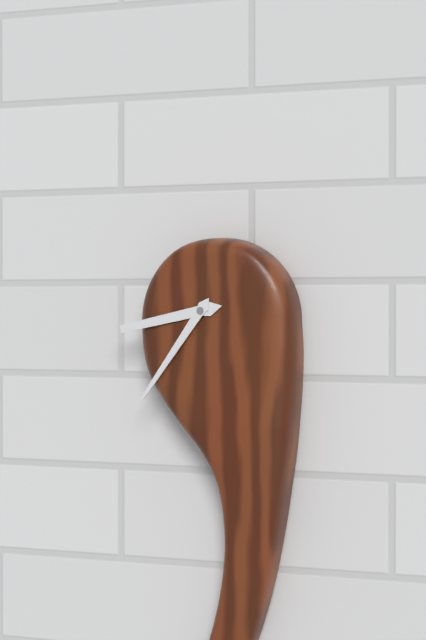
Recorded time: **8:36**
